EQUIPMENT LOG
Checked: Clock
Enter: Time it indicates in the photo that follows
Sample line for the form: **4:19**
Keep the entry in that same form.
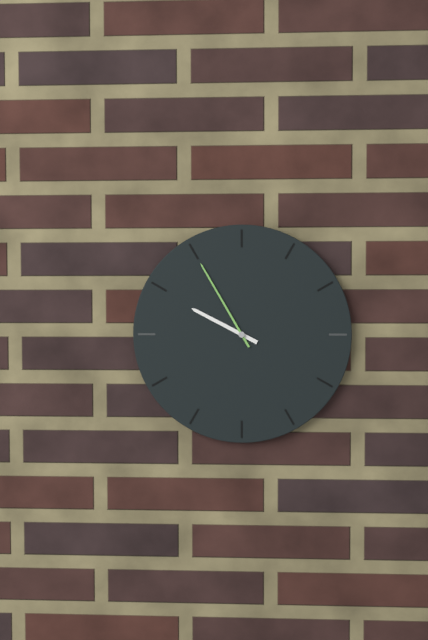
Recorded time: **9:55**
